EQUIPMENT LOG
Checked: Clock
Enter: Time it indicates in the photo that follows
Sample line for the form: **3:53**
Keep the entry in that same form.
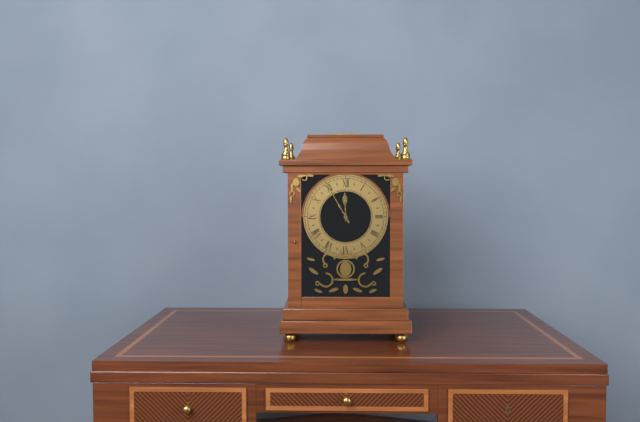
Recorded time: **11:55**
